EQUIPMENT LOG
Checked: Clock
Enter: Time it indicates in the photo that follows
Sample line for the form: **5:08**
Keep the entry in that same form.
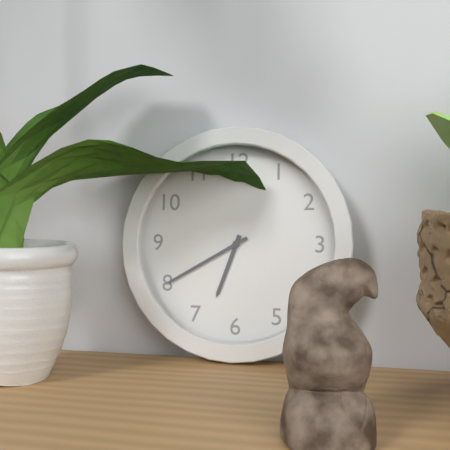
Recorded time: **6:40**
